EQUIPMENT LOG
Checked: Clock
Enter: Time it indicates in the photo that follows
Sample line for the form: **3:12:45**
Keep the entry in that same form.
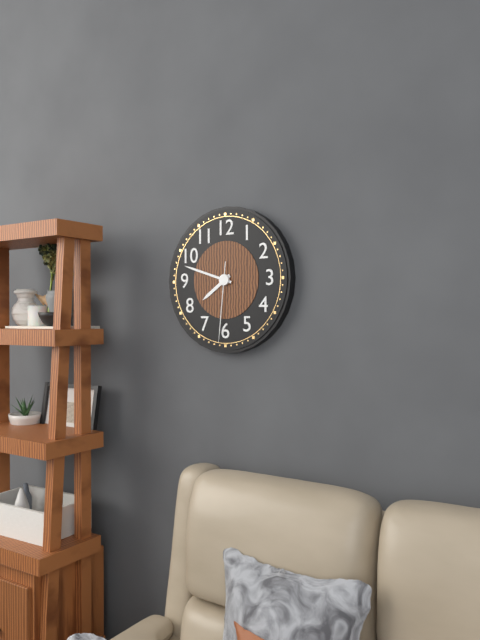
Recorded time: **7:48:31**
